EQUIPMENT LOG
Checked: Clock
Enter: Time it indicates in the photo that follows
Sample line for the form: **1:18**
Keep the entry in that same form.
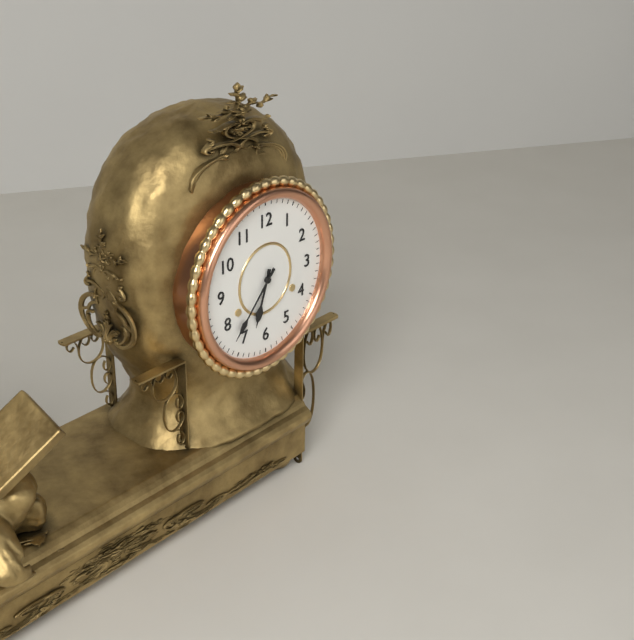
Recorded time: **6:37**
